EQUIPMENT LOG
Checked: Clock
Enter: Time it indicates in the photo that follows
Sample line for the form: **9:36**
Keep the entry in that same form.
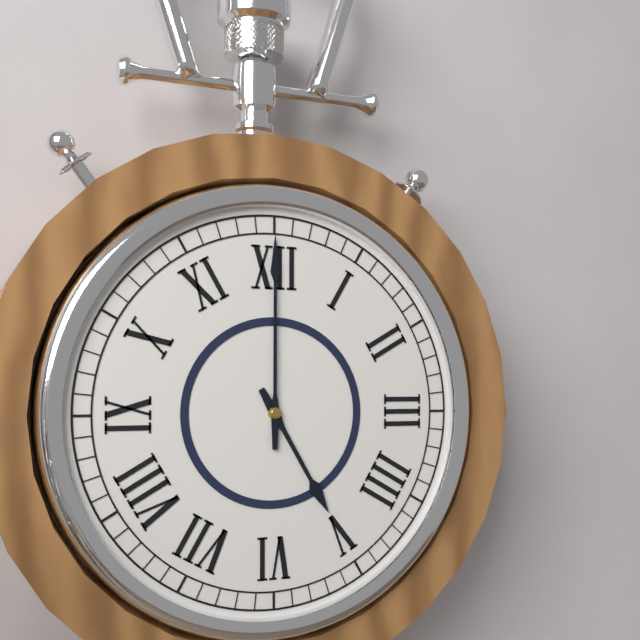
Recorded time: **5:00**
